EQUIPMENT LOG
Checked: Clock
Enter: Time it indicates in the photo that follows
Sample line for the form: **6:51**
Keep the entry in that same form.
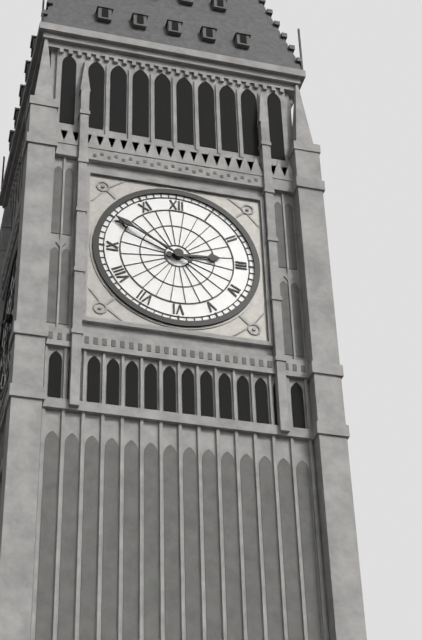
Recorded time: **2:50**
